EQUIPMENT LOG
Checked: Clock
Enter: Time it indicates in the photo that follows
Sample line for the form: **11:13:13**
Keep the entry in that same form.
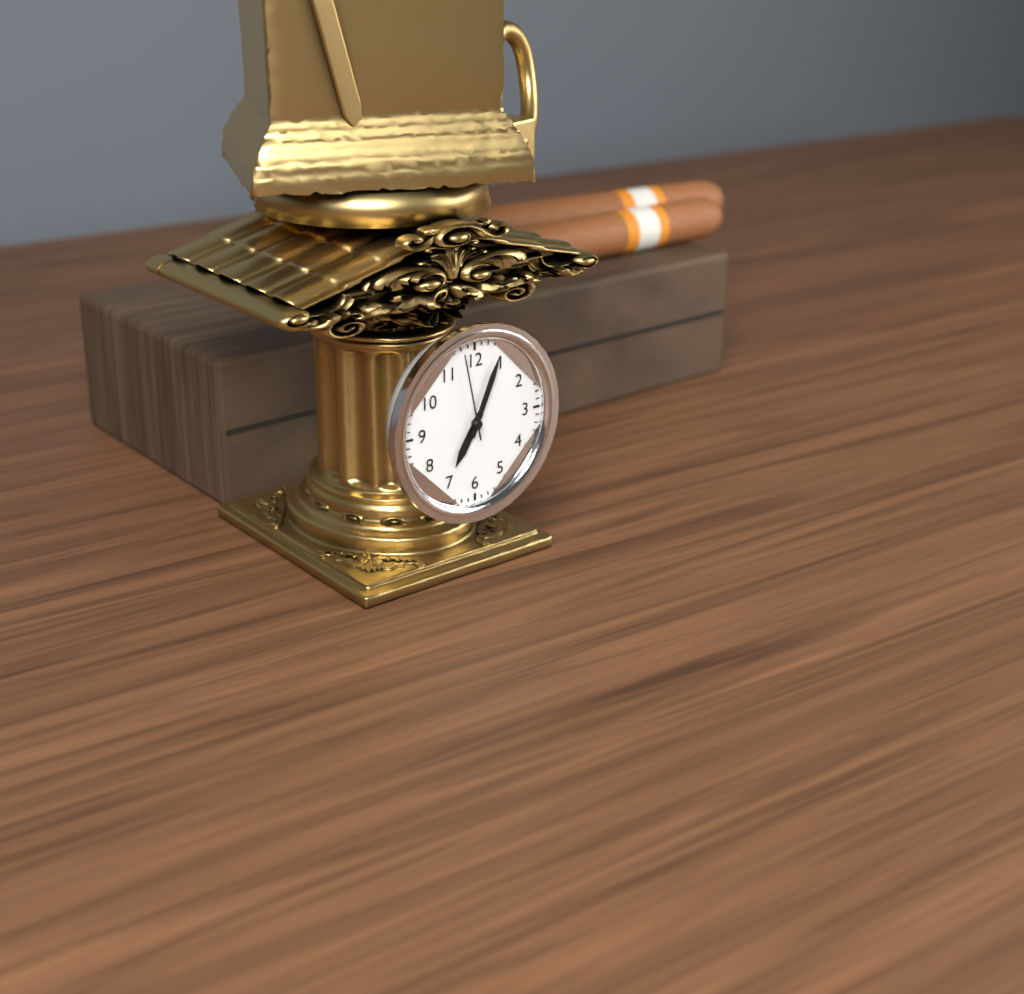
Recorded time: **7:04:58**
